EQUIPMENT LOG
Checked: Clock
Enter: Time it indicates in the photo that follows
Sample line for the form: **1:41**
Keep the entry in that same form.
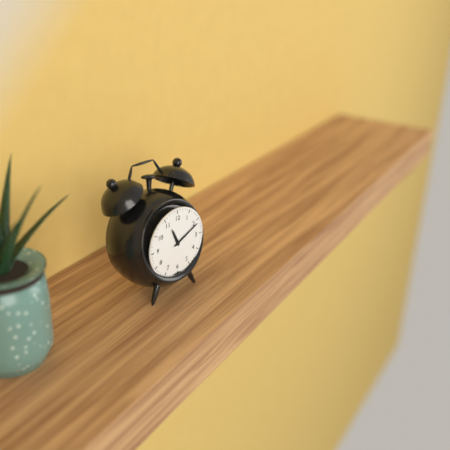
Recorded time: **11:11**
